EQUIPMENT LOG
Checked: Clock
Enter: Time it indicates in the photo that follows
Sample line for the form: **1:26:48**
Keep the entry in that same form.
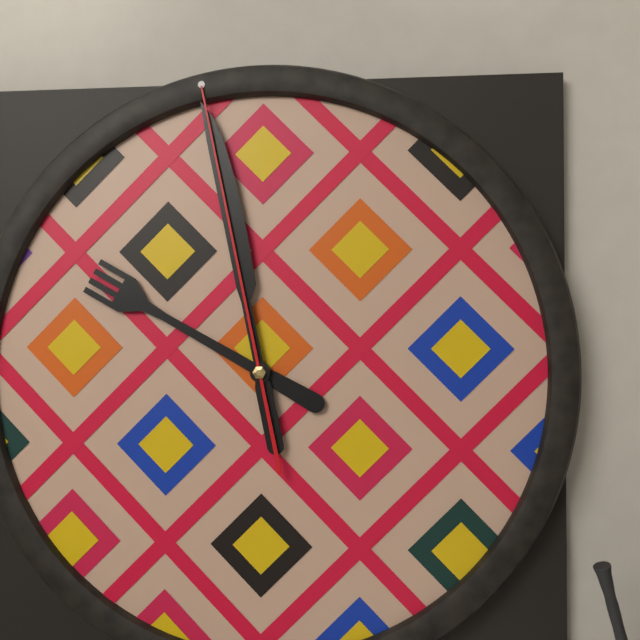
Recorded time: **9:58:58**
